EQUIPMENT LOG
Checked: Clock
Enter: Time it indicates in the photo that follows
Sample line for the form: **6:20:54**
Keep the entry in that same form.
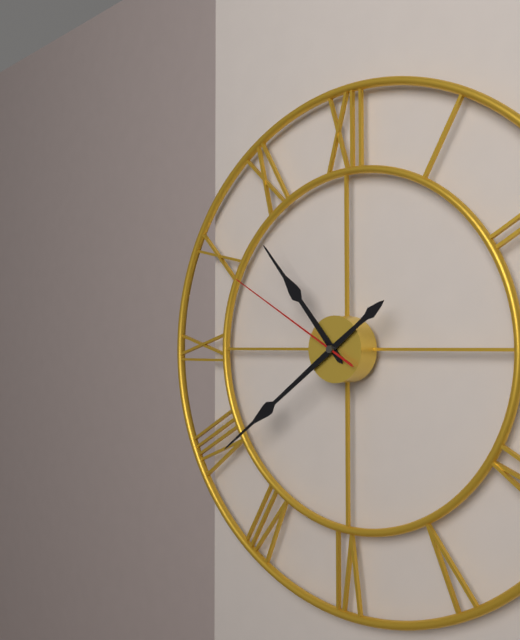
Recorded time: **10:39:50**
